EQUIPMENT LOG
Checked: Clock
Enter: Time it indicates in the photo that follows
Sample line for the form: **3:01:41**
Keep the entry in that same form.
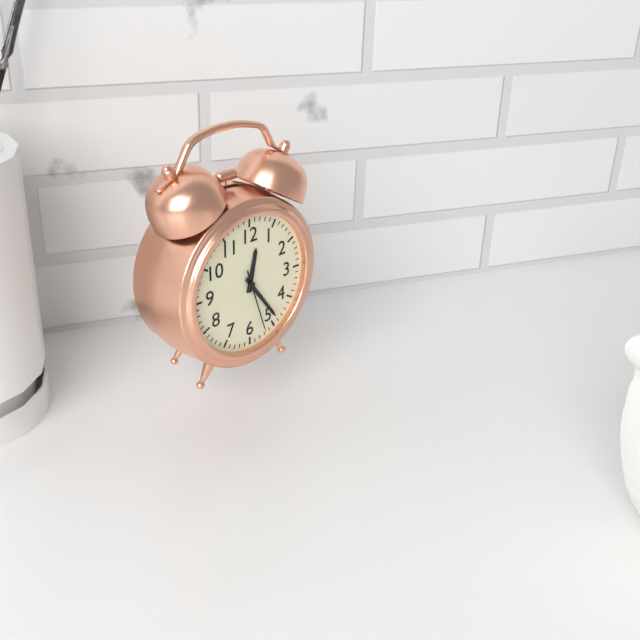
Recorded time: **12:24:27**
